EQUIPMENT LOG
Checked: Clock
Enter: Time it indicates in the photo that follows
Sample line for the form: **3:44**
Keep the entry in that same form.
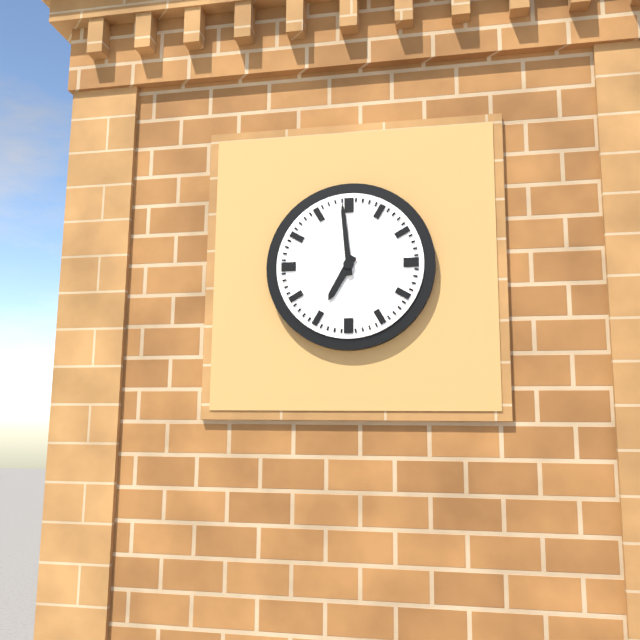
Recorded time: **6:59**
